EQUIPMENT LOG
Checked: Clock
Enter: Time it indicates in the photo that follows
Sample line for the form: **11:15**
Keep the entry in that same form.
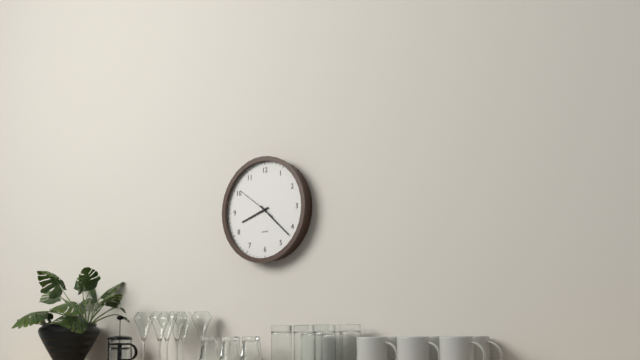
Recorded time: **8:22**
